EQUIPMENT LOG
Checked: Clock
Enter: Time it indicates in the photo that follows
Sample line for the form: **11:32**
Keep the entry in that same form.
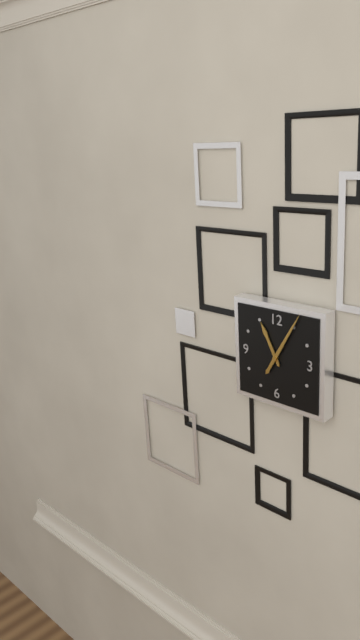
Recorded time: **11:05**
